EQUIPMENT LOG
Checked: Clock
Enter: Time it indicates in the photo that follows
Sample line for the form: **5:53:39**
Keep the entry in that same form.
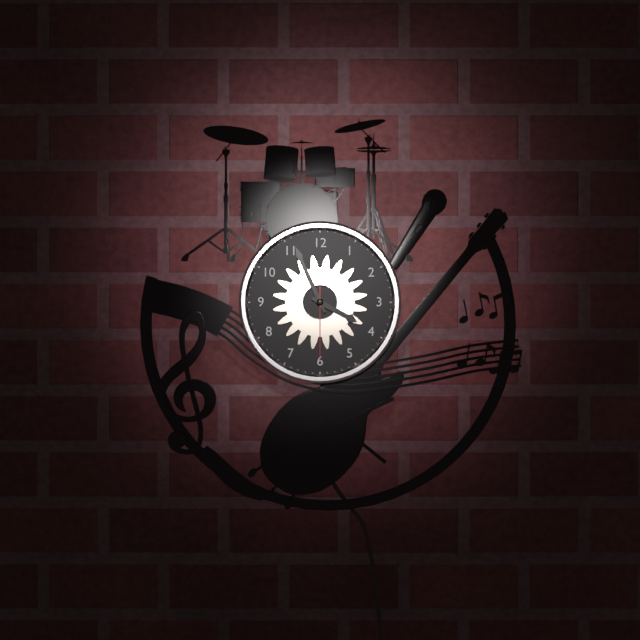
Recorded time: **3:56:30**
